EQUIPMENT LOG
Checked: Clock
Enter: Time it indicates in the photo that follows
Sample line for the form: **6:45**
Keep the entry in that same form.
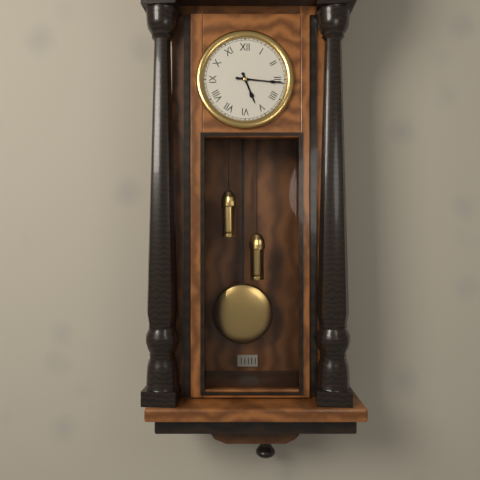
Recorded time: **5:16**
